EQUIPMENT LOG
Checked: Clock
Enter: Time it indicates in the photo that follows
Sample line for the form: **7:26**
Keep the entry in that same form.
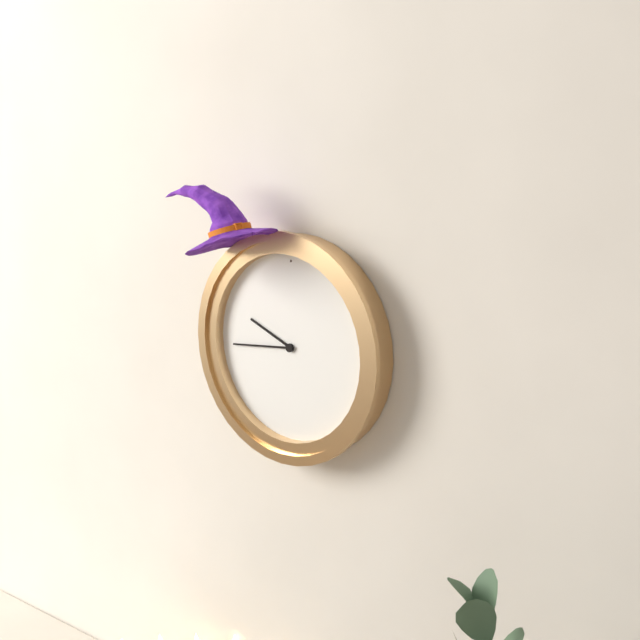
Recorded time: **9:44**
